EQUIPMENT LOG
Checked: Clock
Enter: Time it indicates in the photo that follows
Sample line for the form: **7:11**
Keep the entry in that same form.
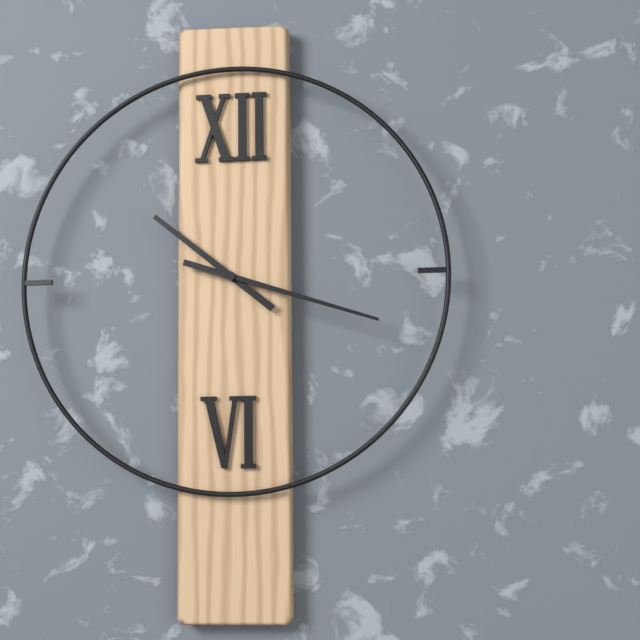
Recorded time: **10:18**
